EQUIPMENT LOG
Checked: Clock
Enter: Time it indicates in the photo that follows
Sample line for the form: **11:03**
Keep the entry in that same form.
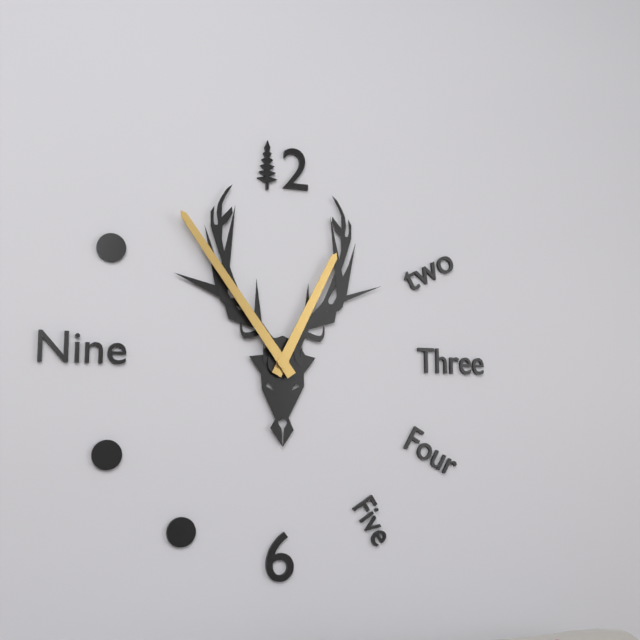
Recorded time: **12:54**
